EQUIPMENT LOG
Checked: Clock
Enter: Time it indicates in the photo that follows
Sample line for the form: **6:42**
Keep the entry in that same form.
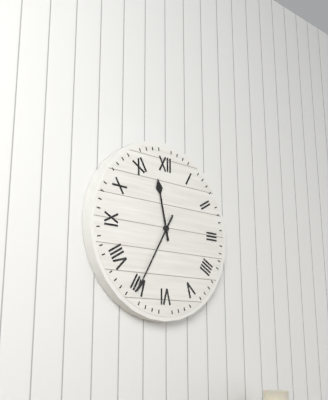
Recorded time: **11:35**
